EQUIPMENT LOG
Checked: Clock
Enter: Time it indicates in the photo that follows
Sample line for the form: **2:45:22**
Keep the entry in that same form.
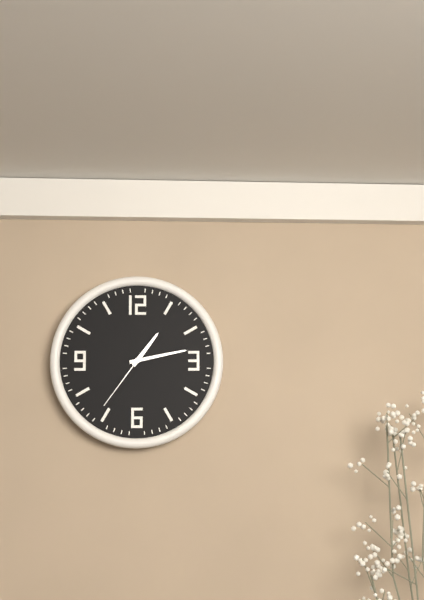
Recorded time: **1:13:36**
